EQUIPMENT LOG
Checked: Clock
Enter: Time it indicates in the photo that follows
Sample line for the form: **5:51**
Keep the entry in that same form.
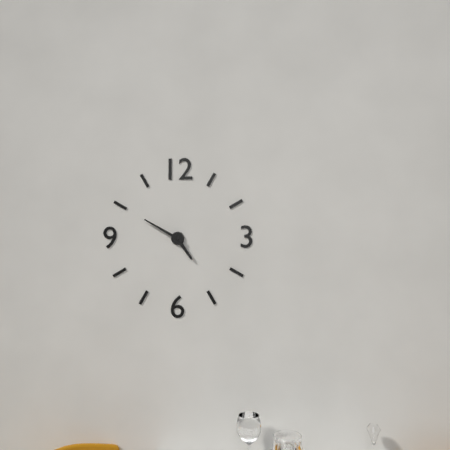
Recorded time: **4:50**
